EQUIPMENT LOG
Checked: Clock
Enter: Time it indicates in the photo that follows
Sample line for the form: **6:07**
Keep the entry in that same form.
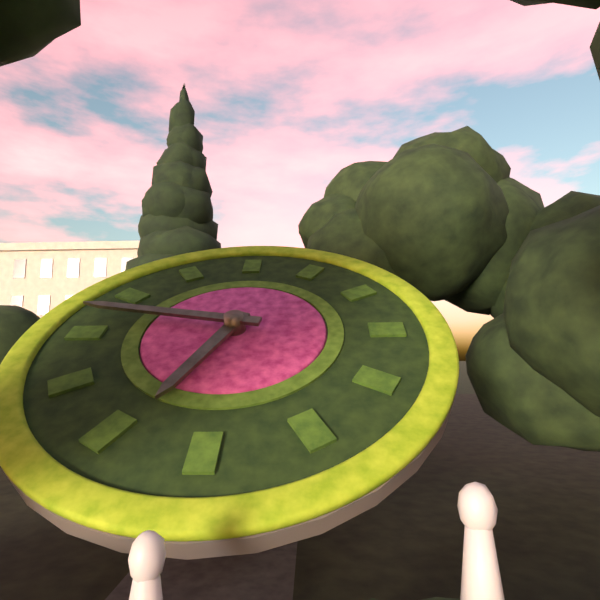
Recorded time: **6:47**
